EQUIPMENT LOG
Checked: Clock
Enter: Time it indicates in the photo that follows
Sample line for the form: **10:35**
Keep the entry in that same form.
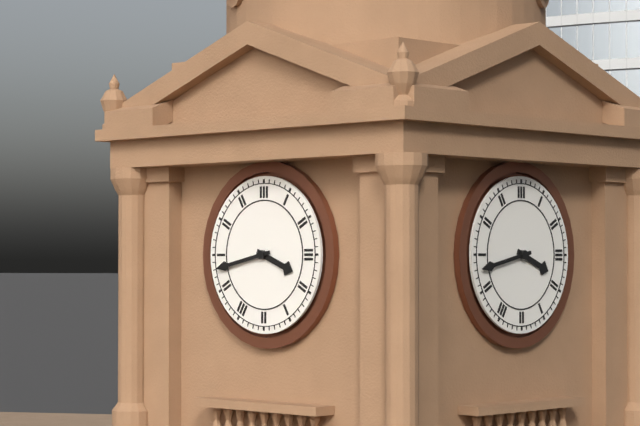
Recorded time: **3:43**
